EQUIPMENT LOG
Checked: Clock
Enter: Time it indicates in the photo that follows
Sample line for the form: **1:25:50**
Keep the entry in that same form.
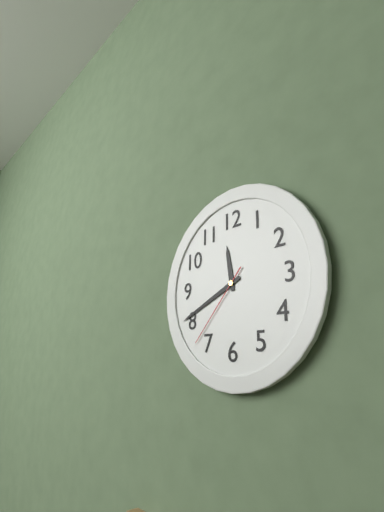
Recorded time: **11:41:37**
